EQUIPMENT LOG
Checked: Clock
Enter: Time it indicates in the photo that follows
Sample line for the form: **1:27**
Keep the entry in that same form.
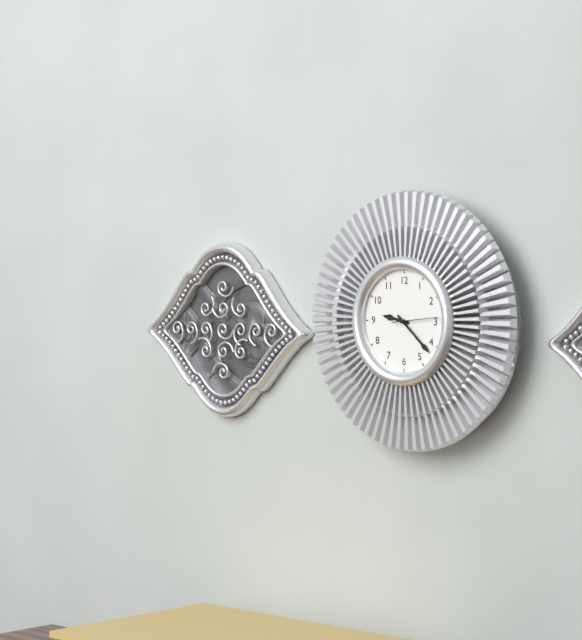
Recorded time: **9:22**
